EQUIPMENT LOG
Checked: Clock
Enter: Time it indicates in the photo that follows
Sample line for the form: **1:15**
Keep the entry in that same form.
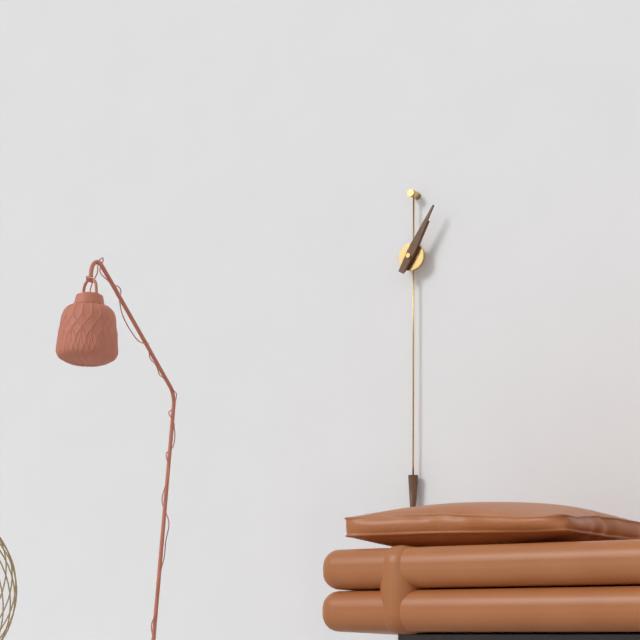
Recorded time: **1:05**
